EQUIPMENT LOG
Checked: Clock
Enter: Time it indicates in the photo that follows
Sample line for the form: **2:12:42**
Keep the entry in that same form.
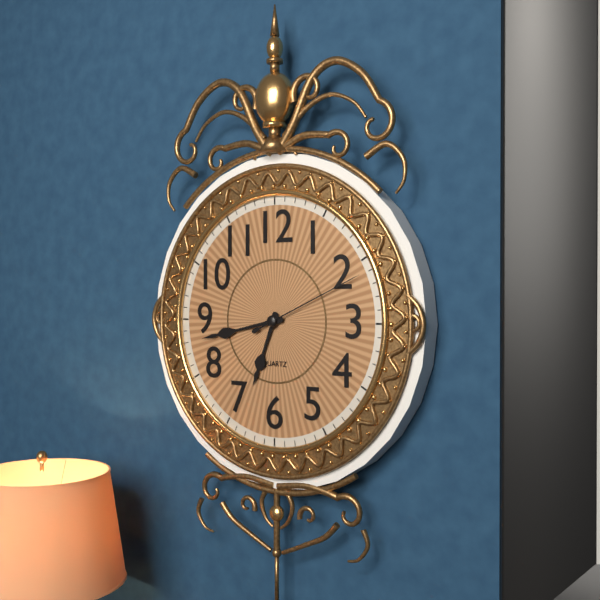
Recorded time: **6:43:11**
